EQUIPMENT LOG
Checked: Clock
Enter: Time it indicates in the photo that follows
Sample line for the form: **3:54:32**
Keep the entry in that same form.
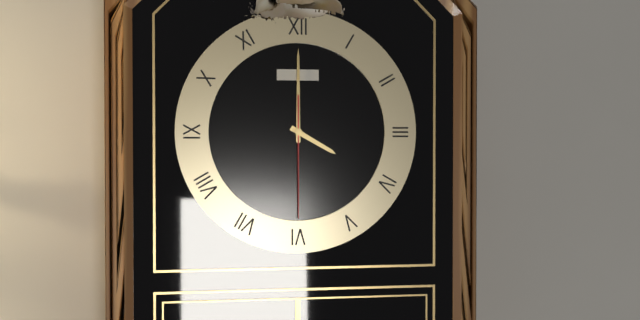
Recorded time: **4:00:30**
